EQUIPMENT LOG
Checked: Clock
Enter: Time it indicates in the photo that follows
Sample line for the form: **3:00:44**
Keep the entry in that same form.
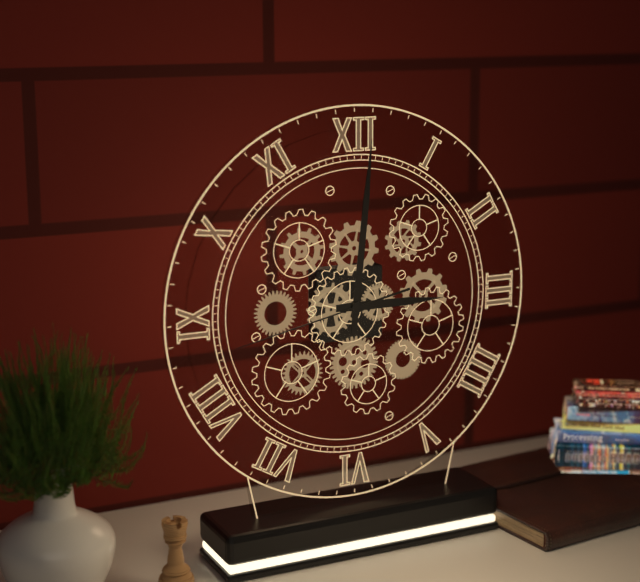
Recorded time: **3:01:43**
